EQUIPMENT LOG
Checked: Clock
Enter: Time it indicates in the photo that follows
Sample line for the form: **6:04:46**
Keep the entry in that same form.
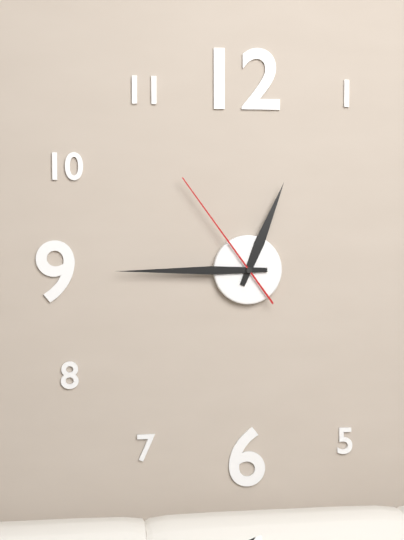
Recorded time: **12:45:54**
